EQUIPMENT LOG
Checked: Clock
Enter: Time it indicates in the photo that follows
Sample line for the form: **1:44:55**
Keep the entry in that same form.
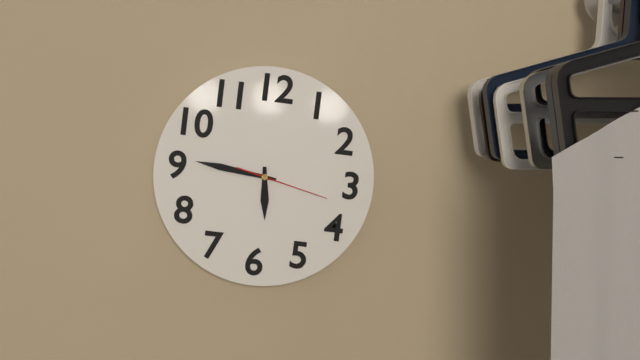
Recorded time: **5:46:17**
